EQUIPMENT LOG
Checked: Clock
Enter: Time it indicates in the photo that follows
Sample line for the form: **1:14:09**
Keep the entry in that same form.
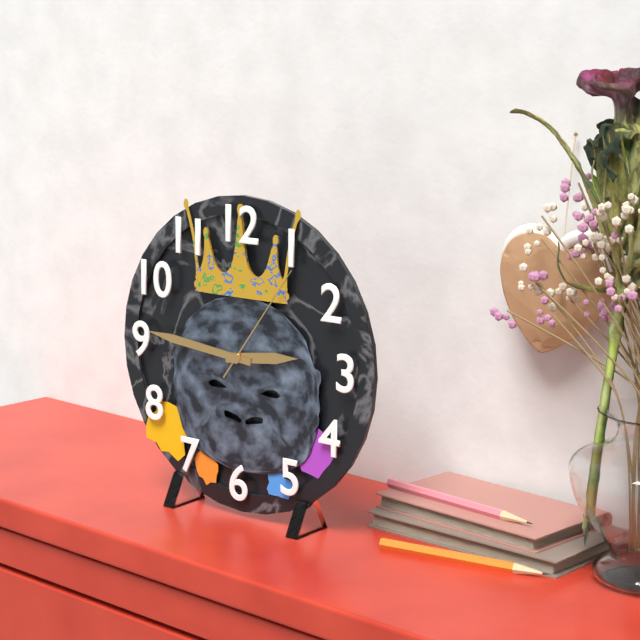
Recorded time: **2:46:06**
